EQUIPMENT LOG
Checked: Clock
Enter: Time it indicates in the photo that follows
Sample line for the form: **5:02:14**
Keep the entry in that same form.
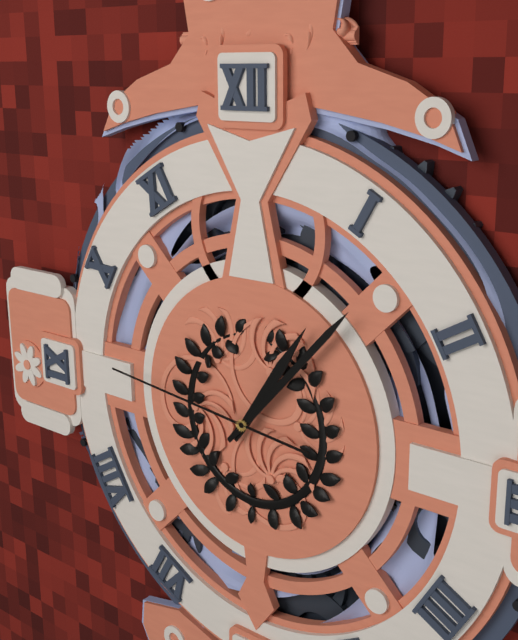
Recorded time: **1:07:46**
